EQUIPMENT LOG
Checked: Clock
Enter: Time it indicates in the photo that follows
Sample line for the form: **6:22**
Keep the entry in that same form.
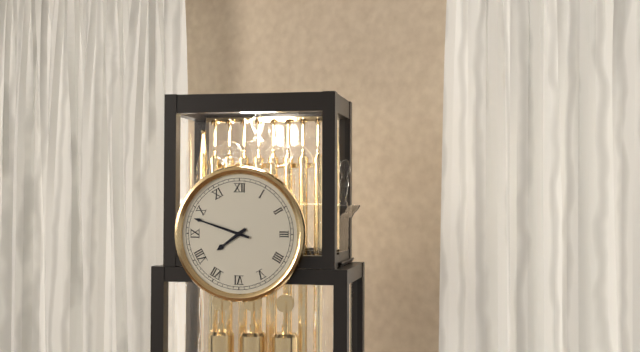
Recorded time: **7:48**
